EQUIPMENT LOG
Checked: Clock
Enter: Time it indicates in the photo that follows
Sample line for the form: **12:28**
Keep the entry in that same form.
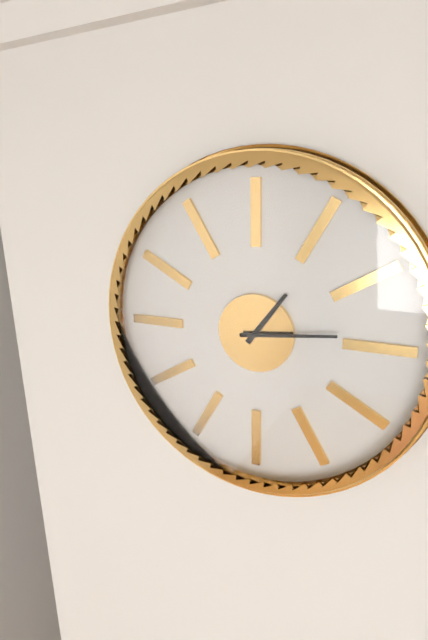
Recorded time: **1:14**
